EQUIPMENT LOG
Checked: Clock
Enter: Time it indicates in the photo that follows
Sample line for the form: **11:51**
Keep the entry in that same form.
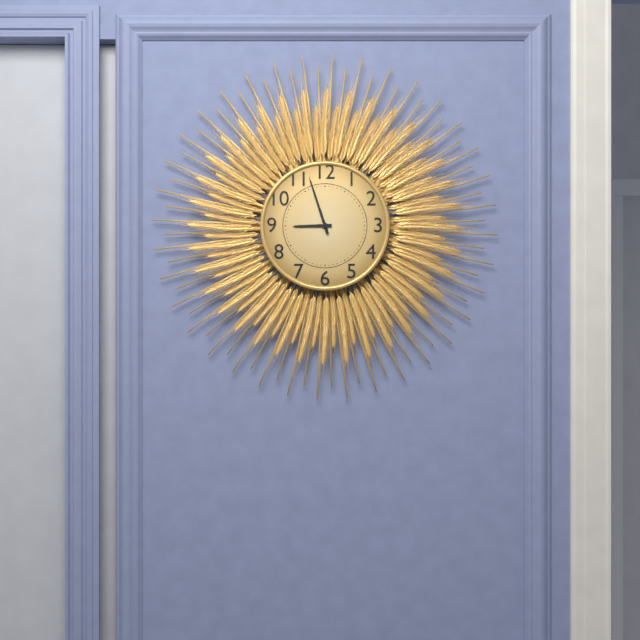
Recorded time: **8:57**
